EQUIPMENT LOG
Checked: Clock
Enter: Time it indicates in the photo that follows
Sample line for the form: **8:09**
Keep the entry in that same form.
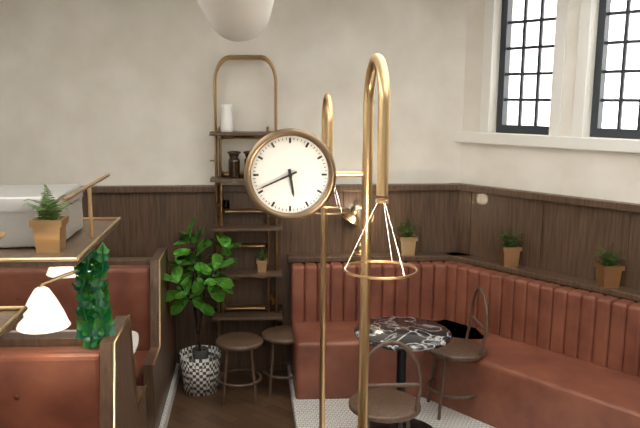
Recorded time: **5:41**
